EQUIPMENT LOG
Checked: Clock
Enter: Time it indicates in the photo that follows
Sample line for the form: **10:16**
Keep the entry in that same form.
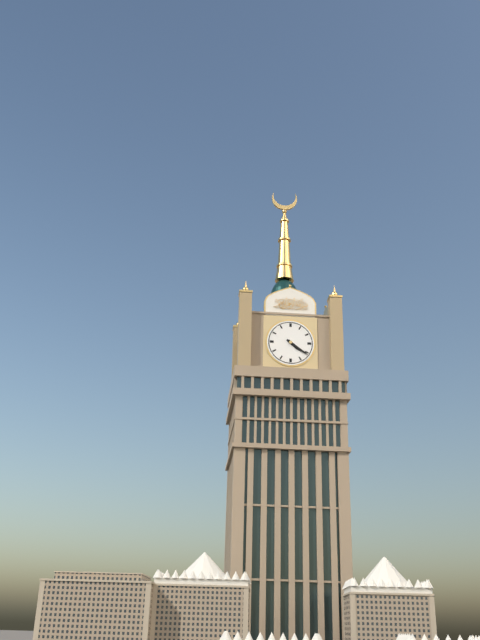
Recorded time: **4:21**
